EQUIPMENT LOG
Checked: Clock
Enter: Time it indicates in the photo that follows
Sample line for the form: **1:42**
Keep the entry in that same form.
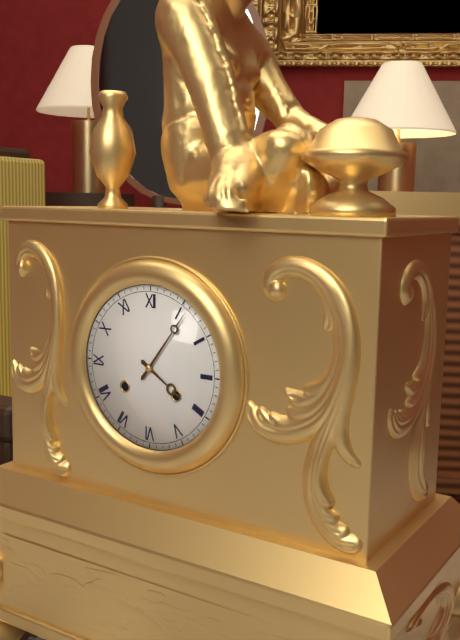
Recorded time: **4:06**
